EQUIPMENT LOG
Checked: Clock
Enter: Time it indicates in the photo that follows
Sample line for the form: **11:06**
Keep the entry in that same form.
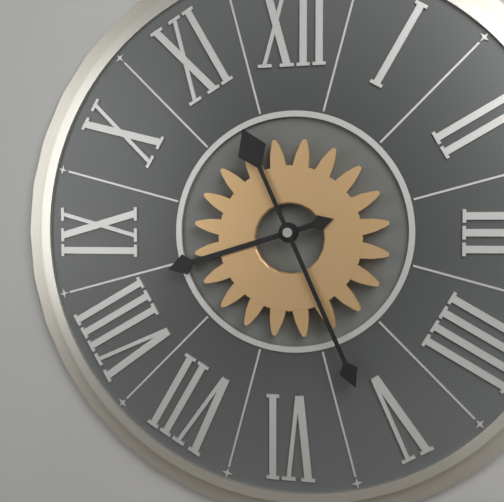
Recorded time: **8:26**
